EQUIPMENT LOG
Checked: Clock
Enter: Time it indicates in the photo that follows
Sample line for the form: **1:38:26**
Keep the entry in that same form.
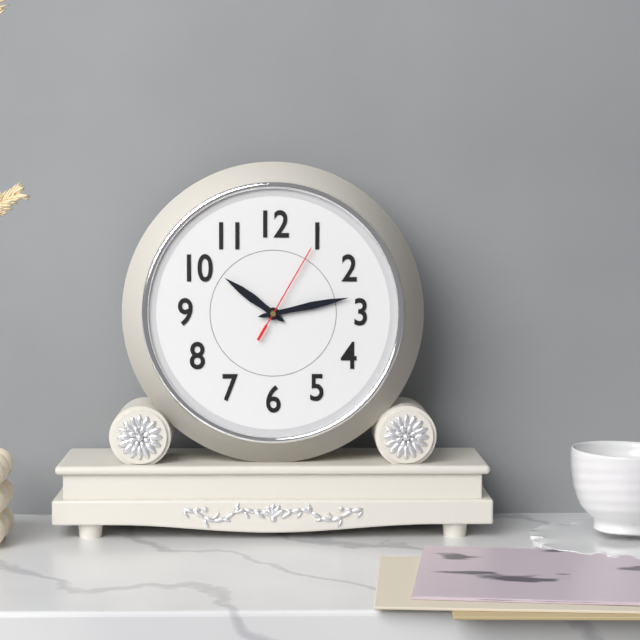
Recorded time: **10:13:05**
